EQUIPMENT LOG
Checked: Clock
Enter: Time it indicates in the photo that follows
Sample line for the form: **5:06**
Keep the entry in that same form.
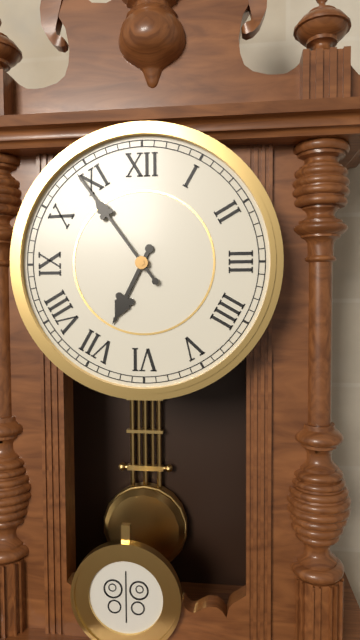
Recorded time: **6:54**
